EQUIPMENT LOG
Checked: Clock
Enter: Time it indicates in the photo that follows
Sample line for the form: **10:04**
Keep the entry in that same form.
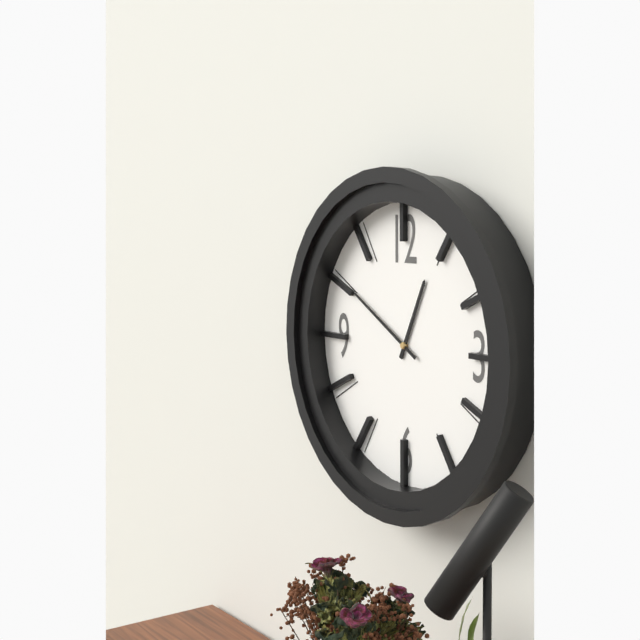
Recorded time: **12:50**
